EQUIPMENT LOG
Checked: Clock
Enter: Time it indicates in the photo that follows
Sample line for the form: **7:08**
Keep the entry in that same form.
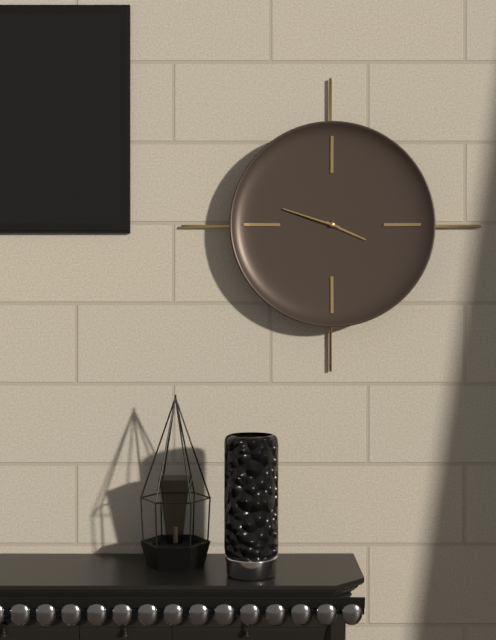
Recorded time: **3:48**
